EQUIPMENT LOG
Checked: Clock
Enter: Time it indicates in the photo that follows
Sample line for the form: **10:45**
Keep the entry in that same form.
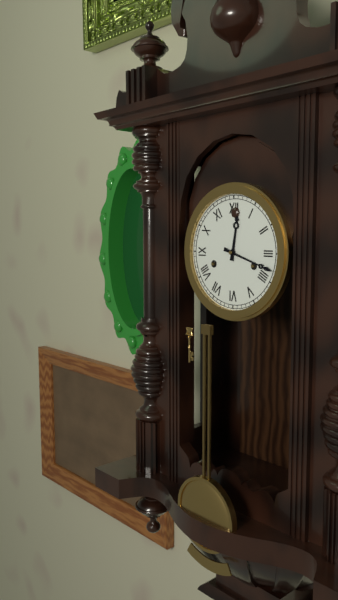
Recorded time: **12:18**
